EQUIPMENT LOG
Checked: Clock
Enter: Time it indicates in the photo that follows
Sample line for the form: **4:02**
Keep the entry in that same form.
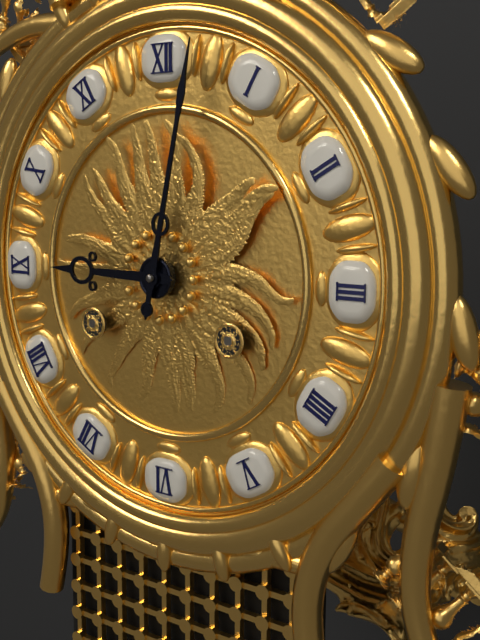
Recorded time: **9:02**
